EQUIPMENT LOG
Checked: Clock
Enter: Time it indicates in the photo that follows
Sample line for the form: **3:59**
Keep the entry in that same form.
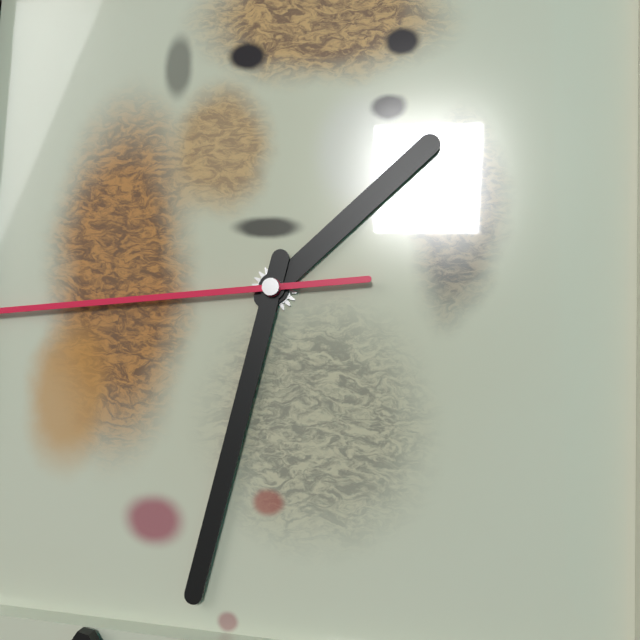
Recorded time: **1:32**
